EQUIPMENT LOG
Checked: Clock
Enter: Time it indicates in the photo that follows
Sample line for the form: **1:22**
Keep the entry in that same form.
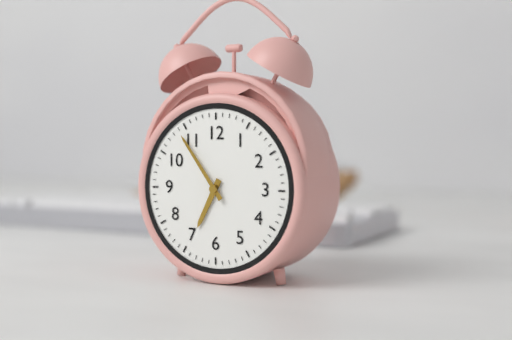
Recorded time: **6:54**
